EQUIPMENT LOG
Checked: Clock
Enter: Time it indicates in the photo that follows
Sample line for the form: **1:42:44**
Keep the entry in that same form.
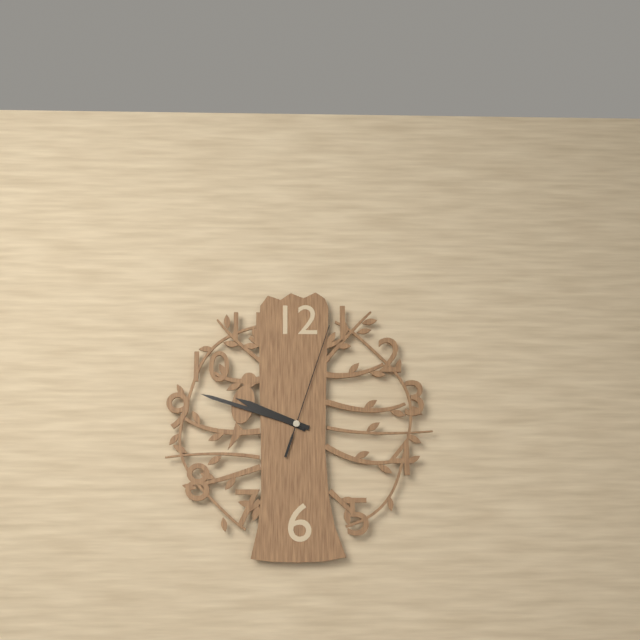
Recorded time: **9:48:03**
